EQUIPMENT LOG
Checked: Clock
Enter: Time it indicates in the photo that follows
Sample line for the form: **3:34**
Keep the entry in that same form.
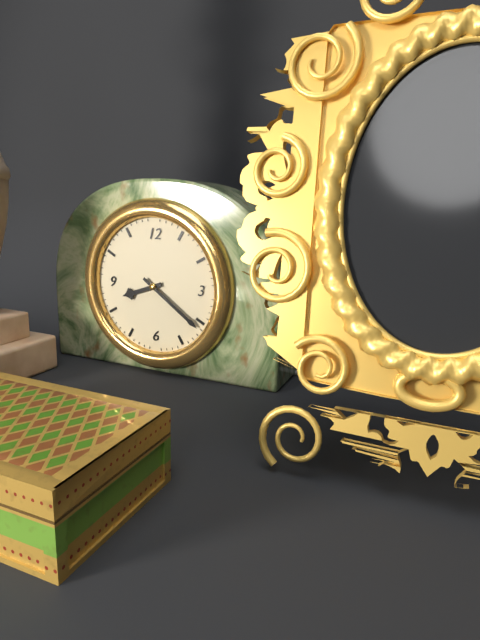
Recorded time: **8:21**
